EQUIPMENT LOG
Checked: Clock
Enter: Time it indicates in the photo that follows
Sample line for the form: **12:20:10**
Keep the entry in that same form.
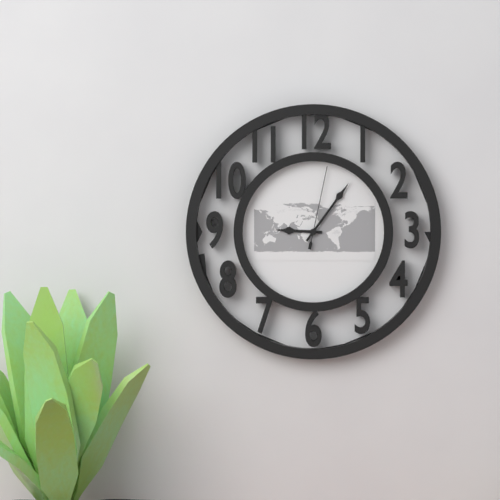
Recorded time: **9:06:02**
